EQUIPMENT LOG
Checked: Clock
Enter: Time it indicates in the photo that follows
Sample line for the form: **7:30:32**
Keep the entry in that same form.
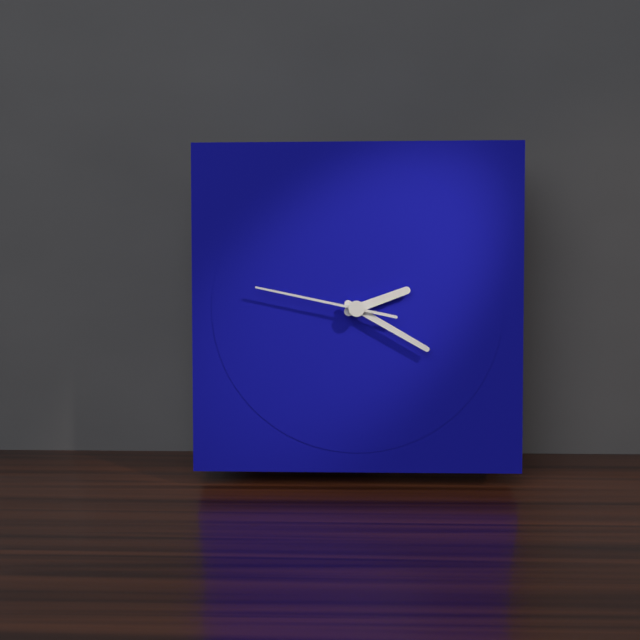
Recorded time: **2:20:47**
